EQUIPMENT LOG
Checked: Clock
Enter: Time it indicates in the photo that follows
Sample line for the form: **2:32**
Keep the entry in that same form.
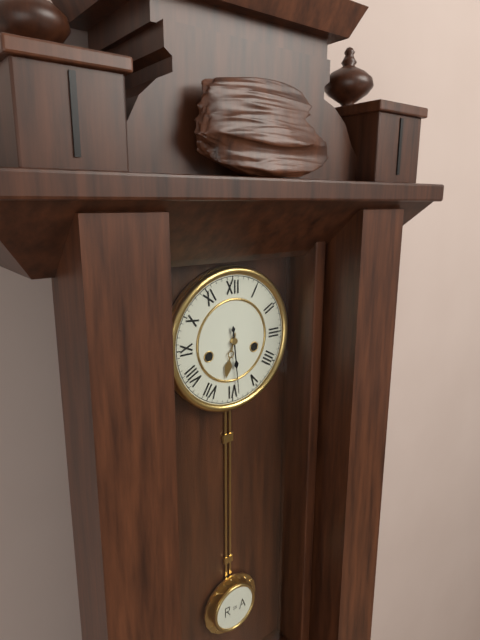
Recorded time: **6:29**
